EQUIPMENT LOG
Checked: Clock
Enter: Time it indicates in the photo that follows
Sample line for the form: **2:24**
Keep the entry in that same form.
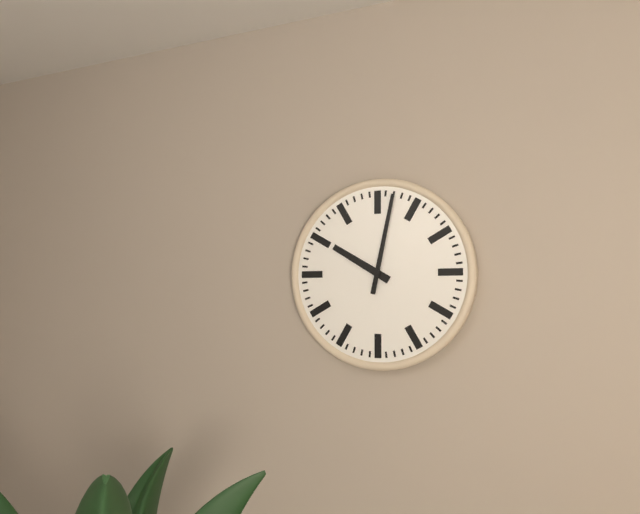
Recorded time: **10:02**
